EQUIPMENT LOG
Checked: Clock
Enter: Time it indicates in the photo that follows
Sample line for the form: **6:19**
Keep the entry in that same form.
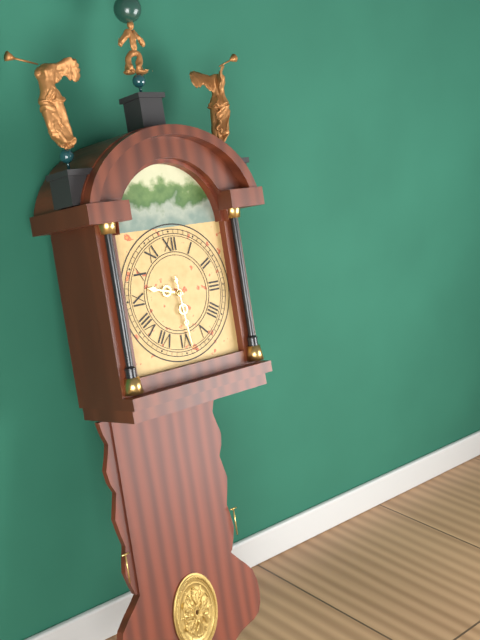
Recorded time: **9:29**
